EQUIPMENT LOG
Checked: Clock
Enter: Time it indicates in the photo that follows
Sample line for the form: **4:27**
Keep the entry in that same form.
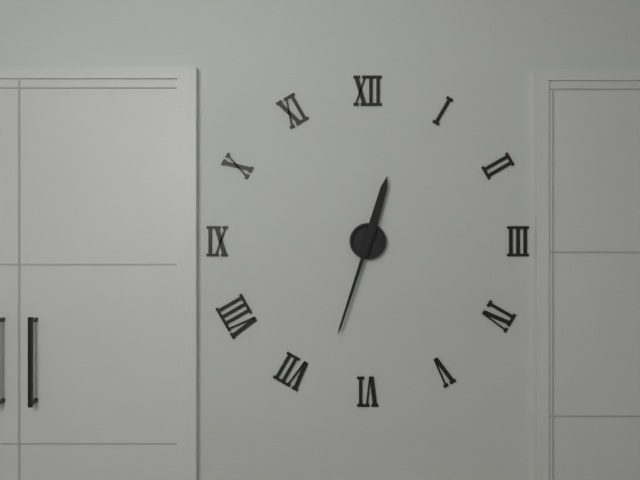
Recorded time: **12:33**
